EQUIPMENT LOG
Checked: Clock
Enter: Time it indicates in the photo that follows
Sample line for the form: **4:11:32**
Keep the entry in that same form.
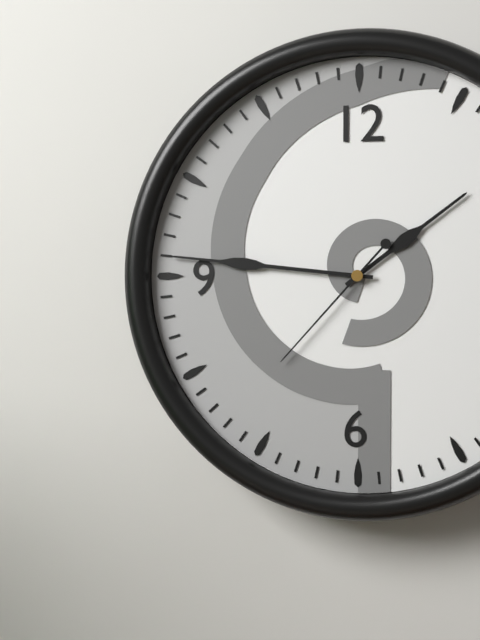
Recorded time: **1:46:37**
